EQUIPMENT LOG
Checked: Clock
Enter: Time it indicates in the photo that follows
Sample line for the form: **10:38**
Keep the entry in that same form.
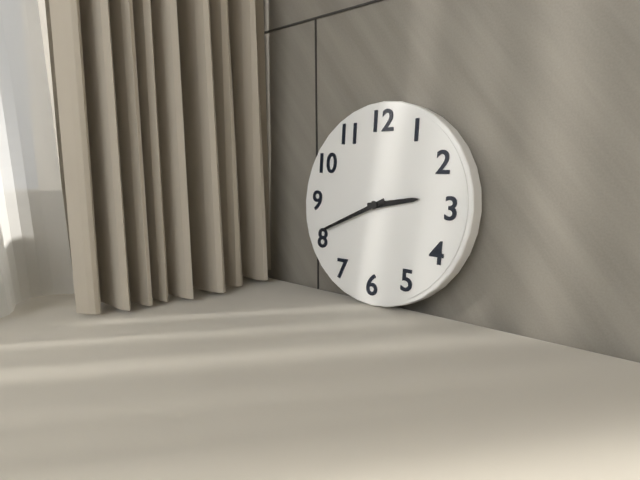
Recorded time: **2:41**
